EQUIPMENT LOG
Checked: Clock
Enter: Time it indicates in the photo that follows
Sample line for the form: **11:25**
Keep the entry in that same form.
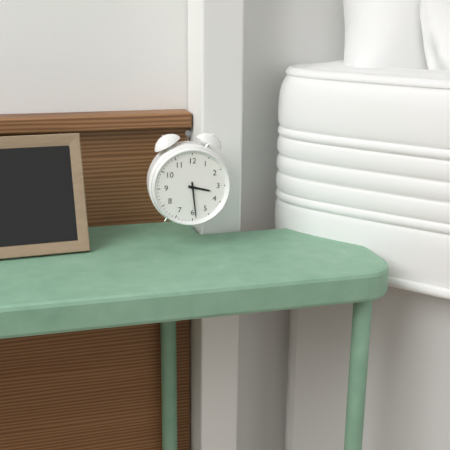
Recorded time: **3:29**
